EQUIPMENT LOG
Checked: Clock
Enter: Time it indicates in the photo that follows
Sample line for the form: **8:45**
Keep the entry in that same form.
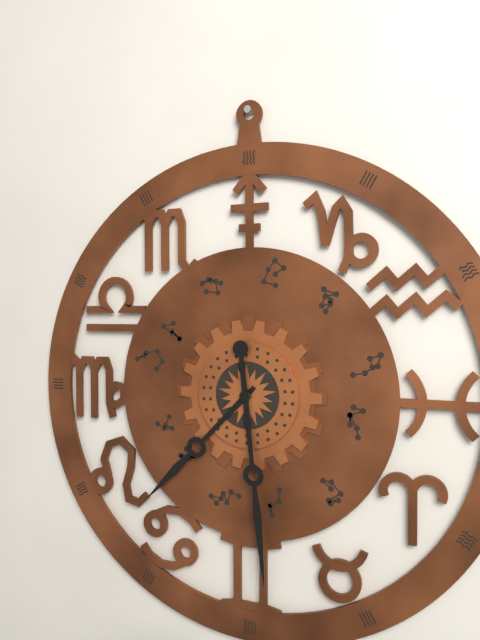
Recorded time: **7:29**
